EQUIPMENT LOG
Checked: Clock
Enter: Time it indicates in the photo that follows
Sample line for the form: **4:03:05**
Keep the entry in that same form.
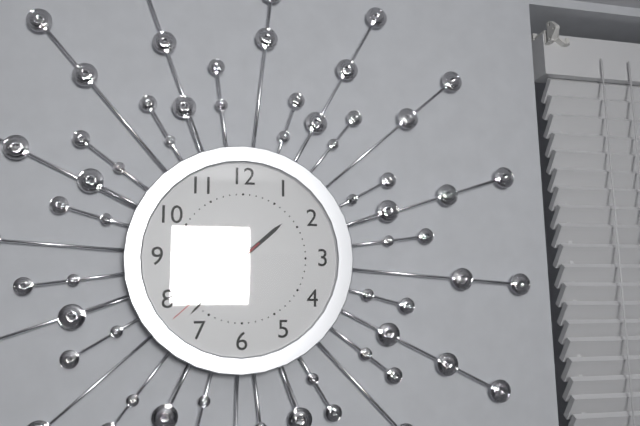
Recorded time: **1:37:38**
